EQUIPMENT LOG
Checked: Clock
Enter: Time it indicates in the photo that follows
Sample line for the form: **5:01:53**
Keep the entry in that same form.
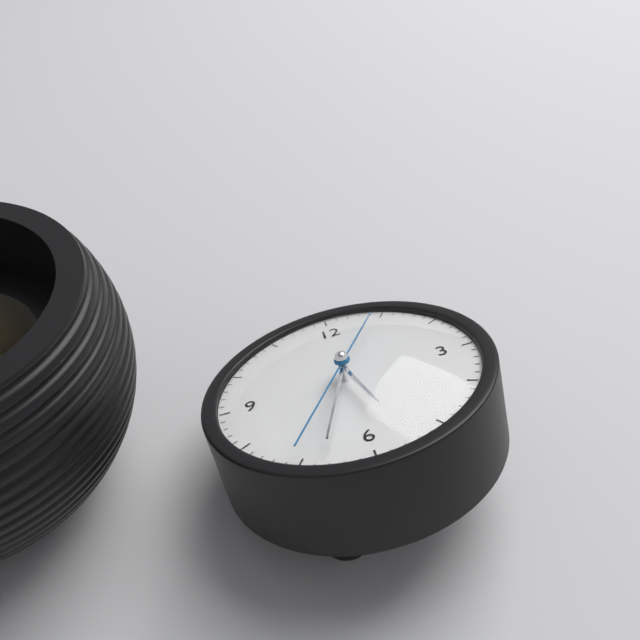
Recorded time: **5:33:35**
